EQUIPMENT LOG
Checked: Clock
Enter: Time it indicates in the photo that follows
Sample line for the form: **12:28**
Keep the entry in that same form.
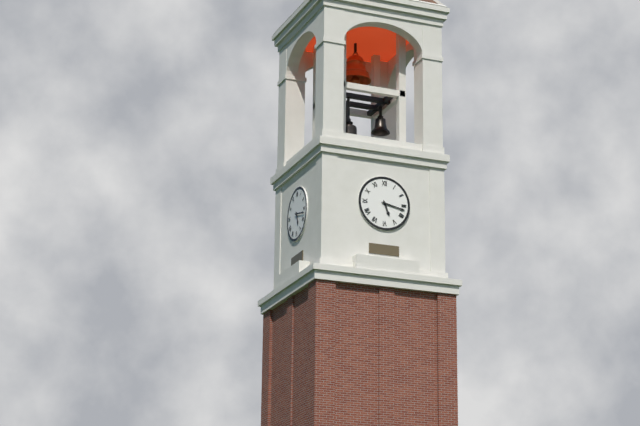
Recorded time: **5:17**
